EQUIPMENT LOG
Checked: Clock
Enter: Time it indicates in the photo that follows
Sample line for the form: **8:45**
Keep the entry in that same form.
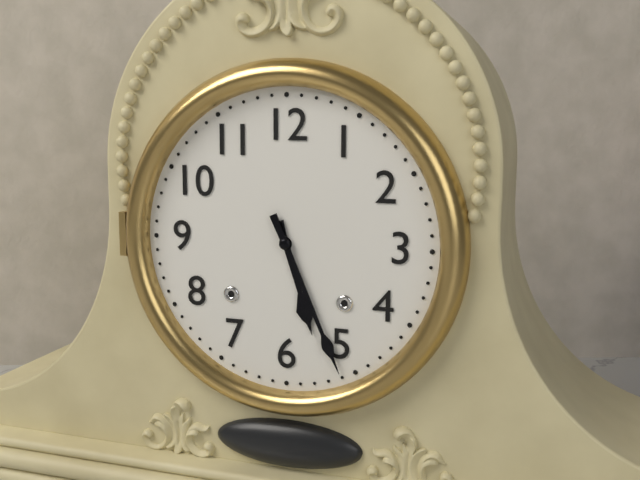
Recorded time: **5:26**
